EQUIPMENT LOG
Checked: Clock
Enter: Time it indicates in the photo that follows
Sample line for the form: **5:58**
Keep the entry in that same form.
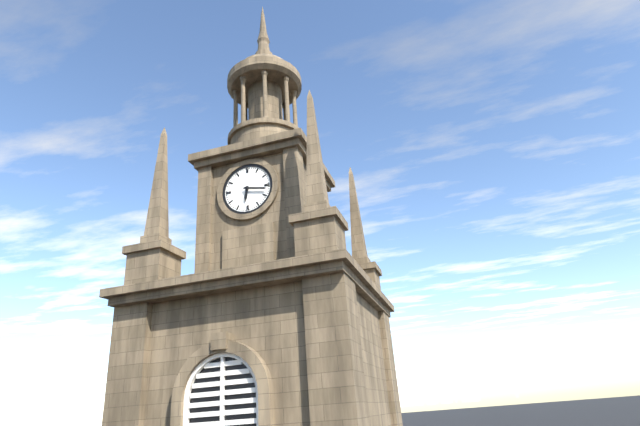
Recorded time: **6:17**
